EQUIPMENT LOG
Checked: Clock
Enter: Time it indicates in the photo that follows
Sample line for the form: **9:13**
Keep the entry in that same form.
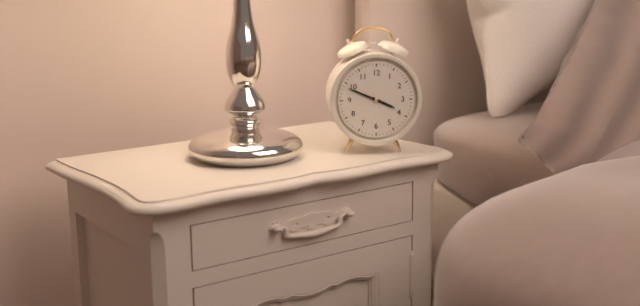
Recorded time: **3:49**
